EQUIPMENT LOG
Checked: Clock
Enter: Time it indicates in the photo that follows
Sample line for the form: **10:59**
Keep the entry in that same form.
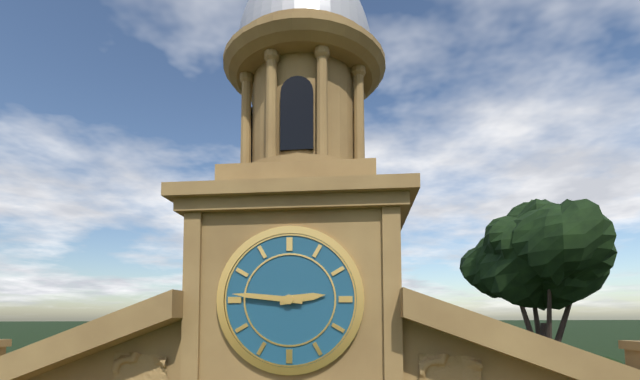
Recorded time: **2:46**
